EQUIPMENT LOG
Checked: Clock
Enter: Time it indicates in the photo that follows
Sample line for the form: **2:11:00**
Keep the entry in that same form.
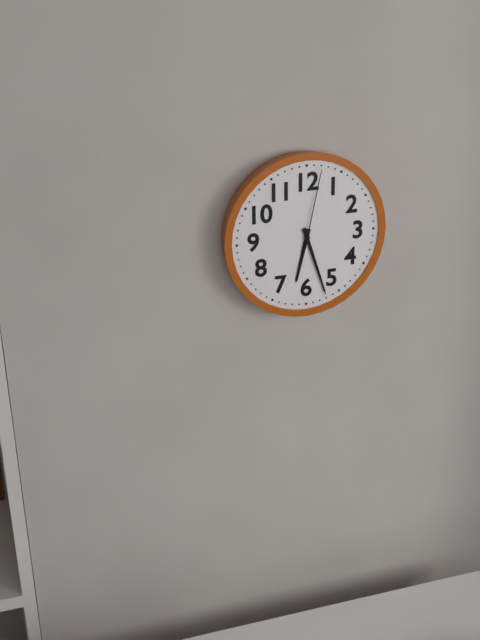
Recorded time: **6:27:02**
